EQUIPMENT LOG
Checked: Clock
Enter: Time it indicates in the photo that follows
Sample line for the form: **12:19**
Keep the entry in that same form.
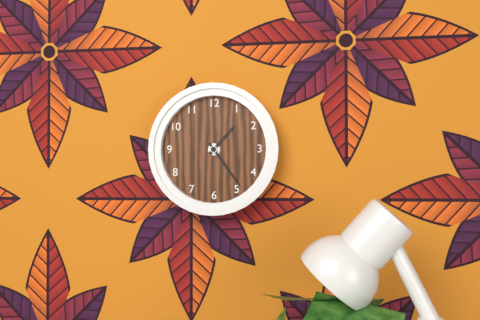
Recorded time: **1:24**
